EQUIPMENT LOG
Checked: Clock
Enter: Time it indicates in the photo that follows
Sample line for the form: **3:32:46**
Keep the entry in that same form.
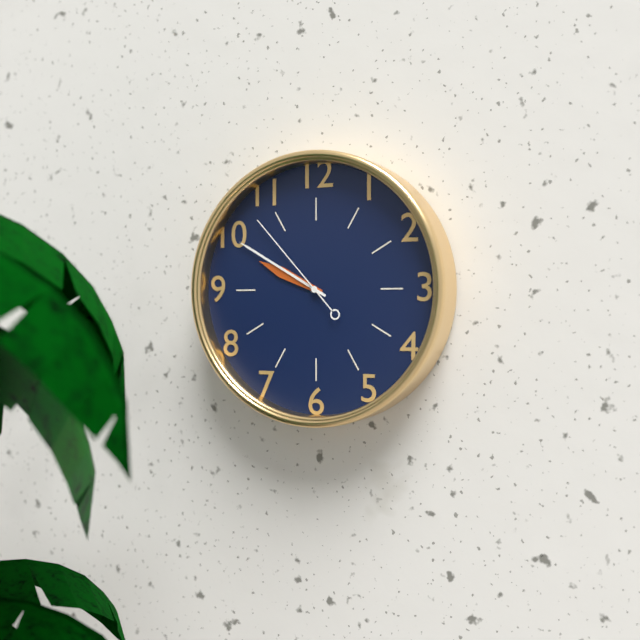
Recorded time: **9:50:53**
